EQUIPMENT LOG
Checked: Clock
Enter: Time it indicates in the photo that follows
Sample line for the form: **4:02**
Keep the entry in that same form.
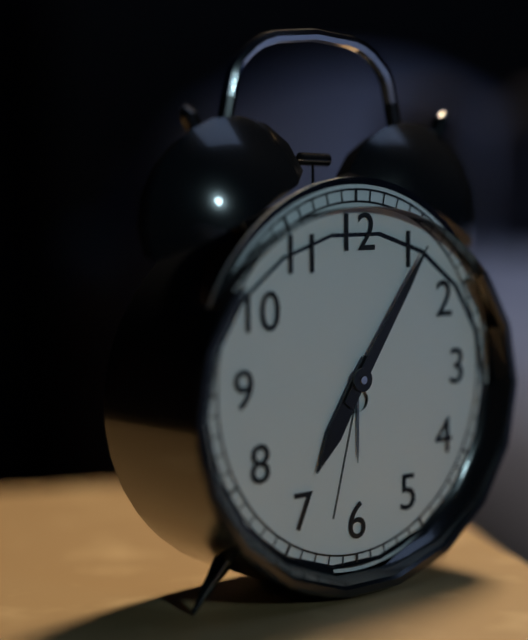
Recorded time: **7:06**
